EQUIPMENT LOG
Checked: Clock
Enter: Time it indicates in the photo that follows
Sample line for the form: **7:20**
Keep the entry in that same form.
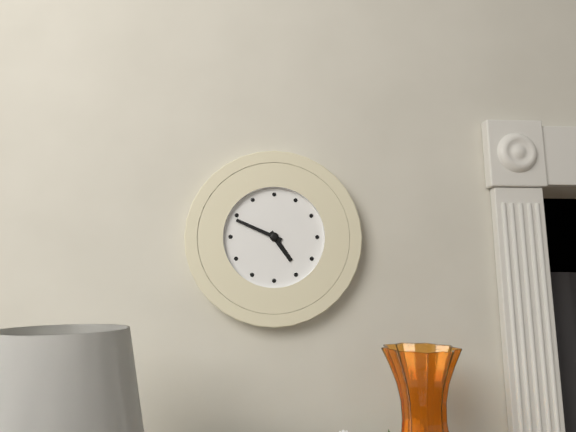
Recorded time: **4:49**
